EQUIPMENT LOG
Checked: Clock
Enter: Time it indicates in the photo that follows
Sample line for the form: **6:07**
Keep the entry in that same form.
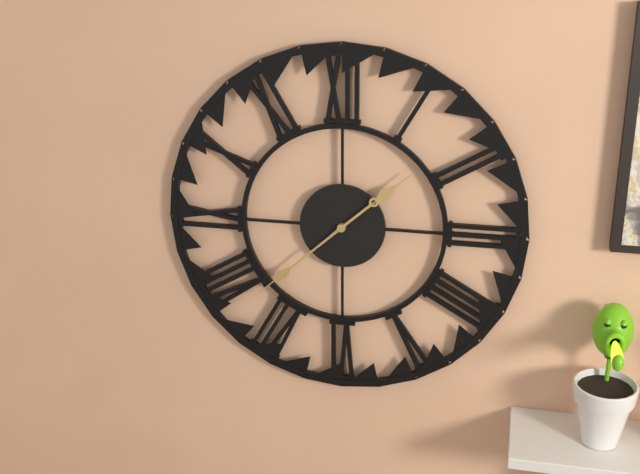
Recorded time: **1:38**
